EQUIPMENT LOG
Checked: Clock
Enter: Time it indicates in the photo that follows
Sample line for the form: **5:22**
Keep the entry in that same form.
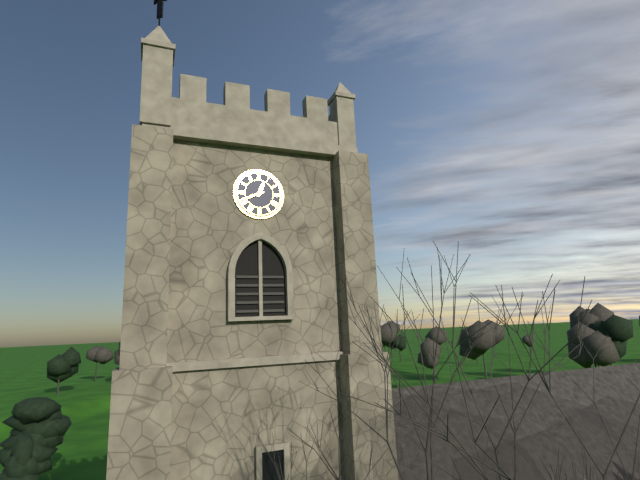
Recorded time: **12:41**
